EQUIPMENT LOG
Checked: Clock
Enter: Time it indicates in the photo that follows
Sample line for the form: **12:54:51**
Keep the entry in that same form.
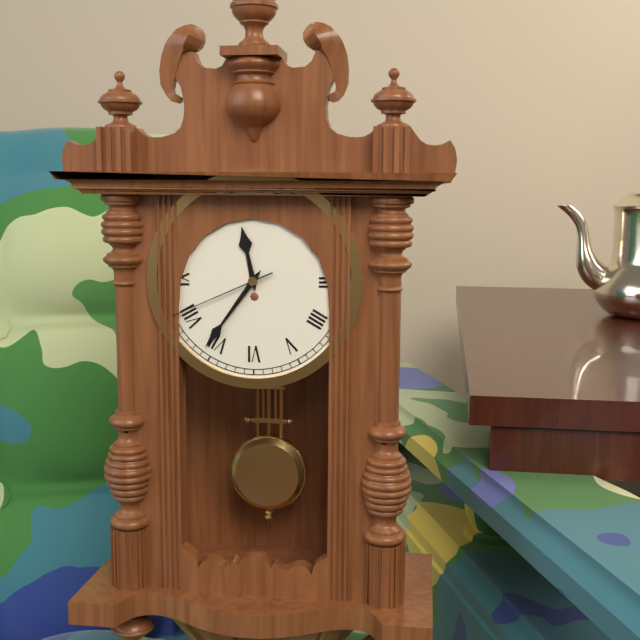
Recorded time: **11:36:41**
